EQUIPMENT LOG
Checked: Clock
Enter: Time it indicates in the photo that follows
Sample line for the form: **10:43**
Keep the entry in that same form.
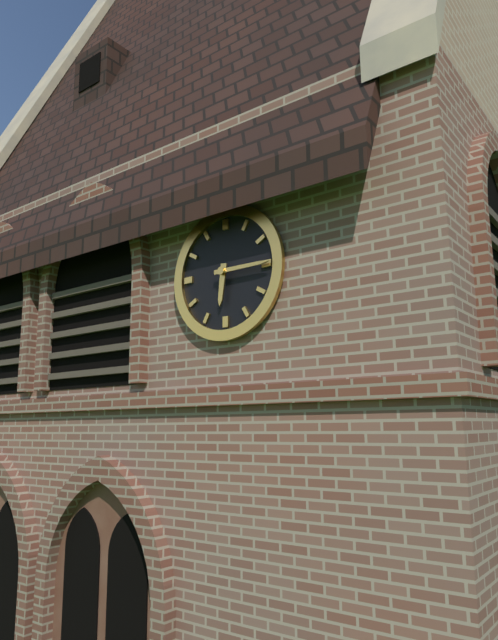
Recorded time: **6:15**
